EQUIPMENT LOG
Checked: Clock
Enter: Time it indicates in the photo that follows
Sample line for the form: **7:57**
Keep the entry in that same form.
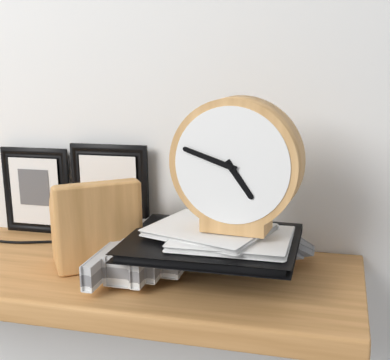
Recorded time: **4:48**
